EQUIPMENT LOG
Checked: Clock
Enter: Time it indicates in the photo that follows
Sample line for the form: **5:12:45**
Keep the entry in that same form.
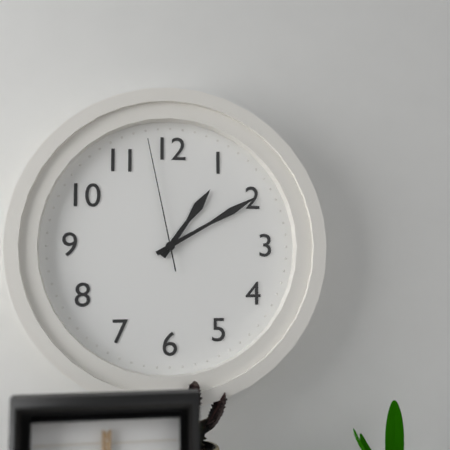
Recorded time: **1:10:58**
